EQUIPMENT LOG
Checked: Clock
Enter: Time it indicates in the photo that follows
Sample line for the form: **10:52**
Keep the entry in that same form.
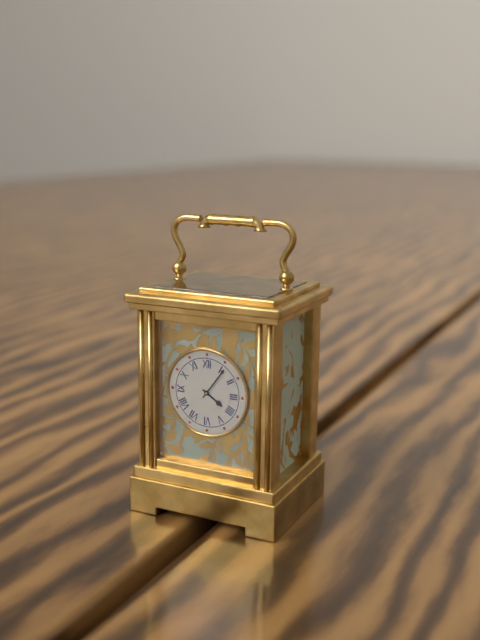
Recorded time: **4:06**
